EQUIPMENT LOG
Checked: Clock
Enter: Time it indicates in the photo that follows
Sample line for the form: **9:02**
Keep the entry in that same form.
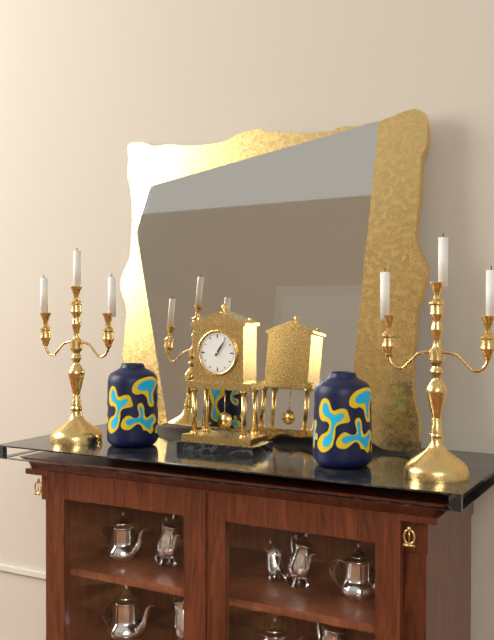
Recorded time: **1:06**
